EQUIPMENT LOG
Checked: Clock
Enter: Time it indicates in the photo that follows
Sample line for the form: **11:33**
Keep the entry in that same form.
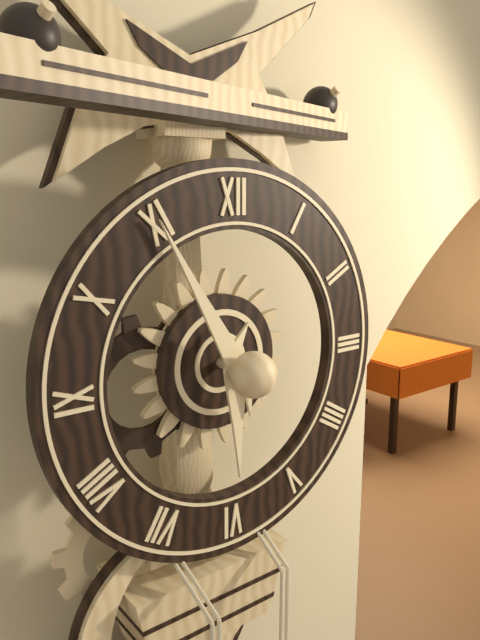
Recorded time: **5:55**
